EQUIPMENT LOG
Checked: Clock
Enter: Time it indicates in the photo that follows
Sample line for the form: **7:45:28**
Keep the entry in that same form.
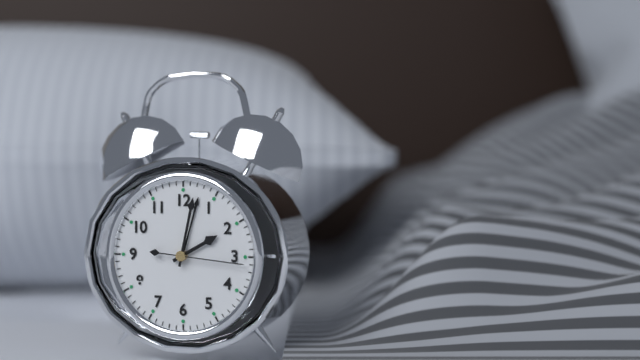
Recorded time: **2:02:16**
